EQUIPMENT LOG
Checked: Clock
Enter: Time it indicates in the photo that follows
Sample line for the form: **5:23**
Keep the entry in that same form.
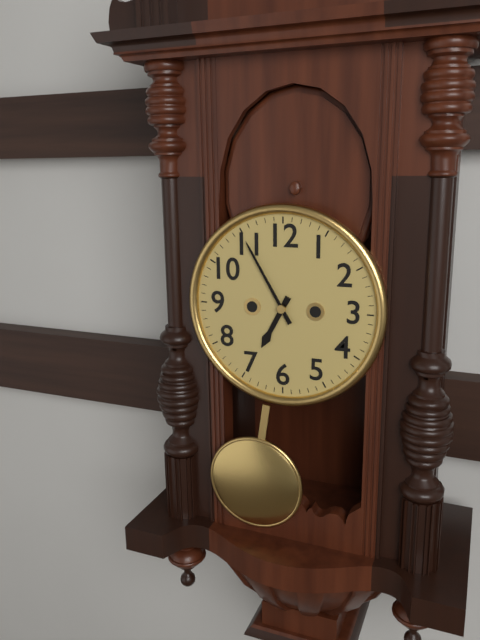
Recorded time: **6:55**
